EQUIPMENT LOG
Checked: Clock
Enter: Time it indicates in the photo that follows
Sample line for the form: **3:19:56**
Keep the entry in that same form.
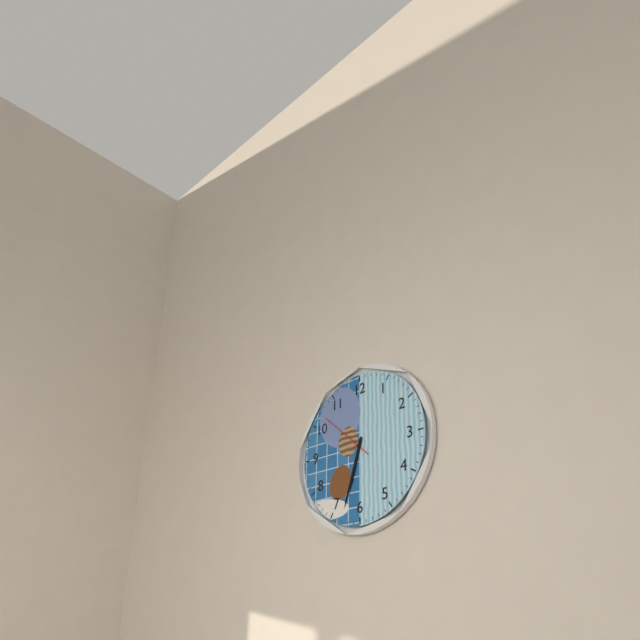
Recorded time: **6:33:52**
